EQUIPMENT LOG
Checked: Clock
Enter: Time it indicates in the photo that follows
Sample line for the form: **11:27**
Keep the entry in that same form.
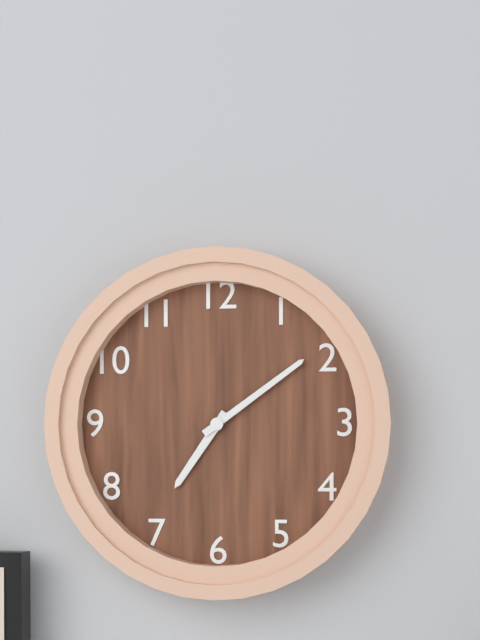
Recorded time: **7:09**
